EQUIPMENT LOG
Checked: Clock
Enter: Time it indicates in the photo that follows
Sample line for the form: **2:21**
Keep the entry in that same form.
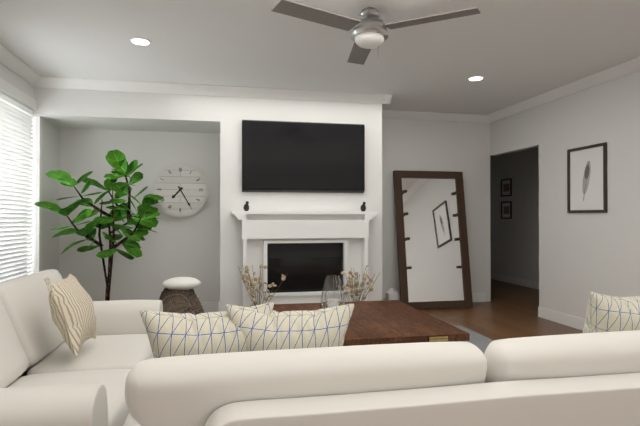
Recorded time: **7:25**
